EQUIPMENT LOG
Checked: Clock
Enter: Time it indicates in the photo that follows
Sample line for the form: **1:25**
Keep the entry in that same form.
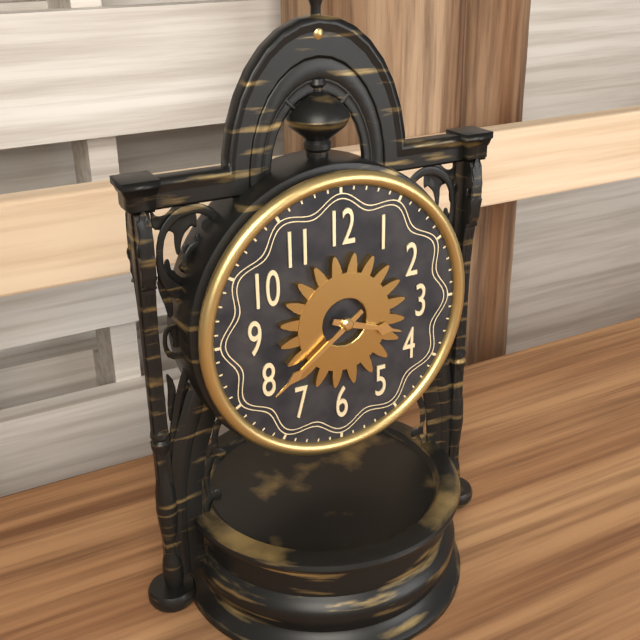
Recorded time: **3:39**
